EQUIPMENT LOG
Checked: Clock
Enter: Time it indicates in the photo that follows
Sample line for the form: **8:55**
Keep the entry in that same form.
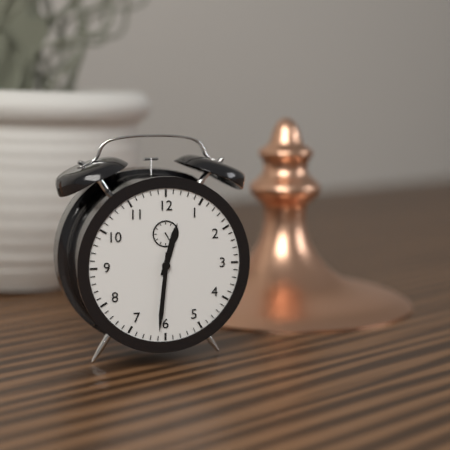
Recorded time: **12:31**
